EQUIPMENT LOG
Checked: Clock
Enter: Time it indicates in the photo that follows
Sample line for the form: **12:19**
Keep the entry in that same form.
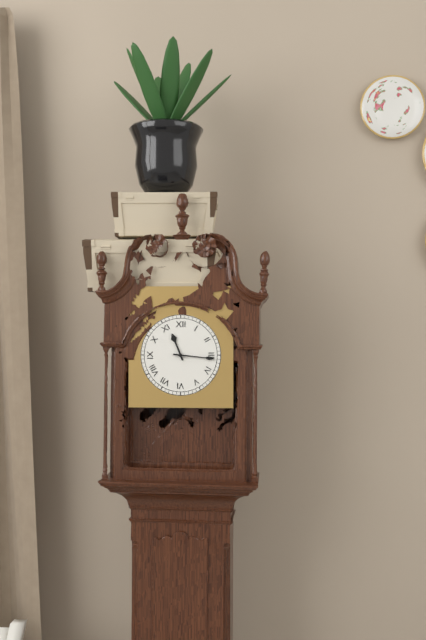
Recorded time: **11:16**
